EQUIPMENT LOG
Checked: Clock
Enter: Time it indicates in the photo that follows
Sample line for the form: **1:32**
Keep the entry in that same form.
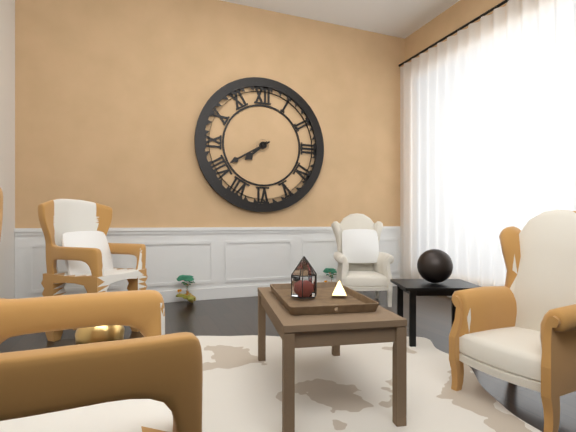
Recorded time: **7:40**
